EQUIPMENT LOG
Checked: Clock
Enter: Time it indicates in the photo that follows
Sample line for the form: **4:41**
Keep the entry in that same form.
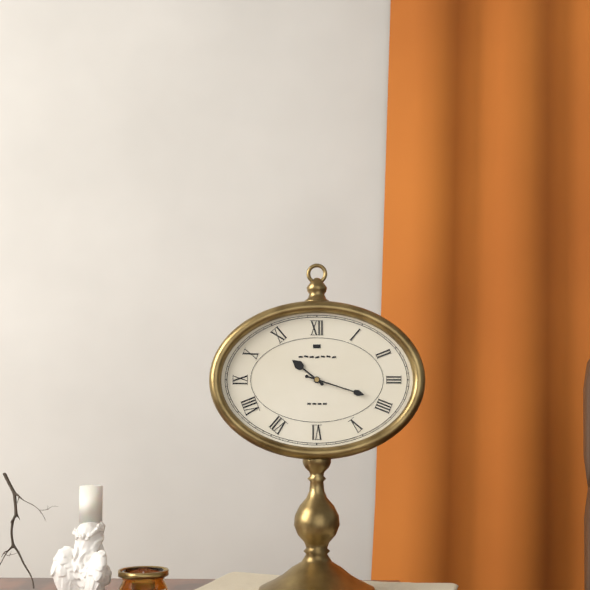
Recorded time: **10:18**
